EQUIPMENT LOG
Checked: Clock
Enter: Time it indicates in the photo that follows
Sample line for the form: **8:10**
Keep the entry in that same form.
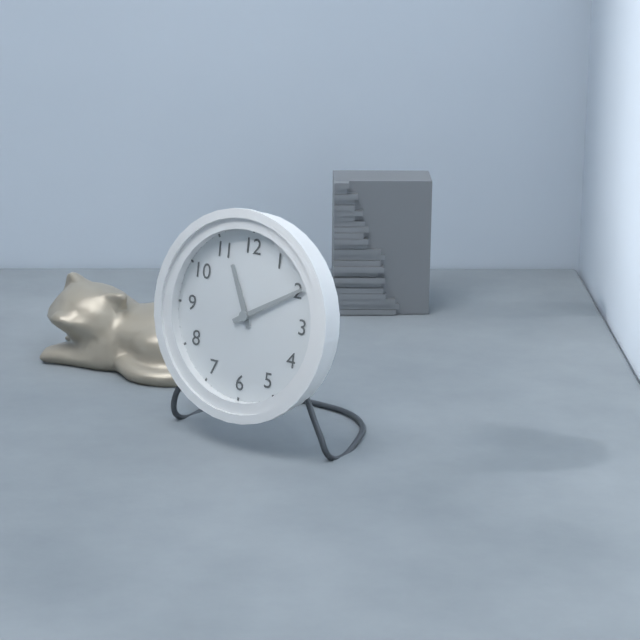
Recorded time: **11:10**
